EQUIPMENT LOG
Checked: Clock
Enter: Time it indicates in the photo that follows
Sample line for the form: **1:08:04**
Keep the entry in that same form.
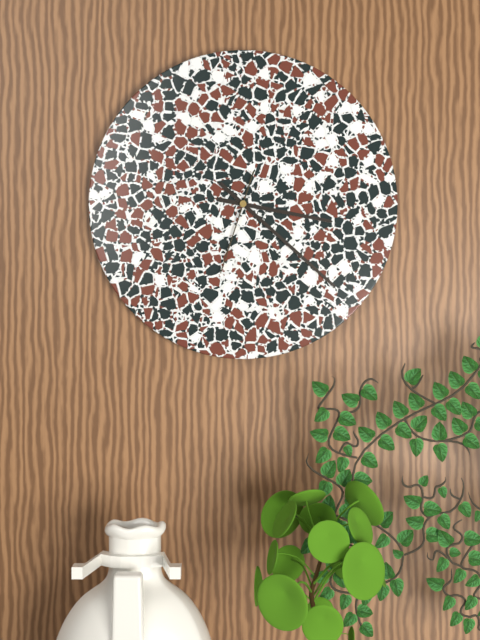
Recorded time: **3:22:33**
